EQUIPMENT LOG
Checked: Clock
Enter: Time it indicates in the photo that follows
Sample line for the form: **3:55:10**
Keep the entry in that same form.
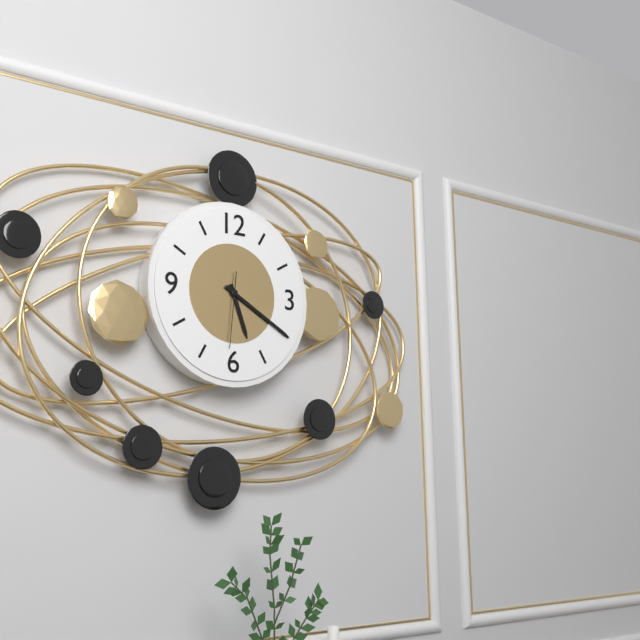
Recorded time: **5:20:31**
